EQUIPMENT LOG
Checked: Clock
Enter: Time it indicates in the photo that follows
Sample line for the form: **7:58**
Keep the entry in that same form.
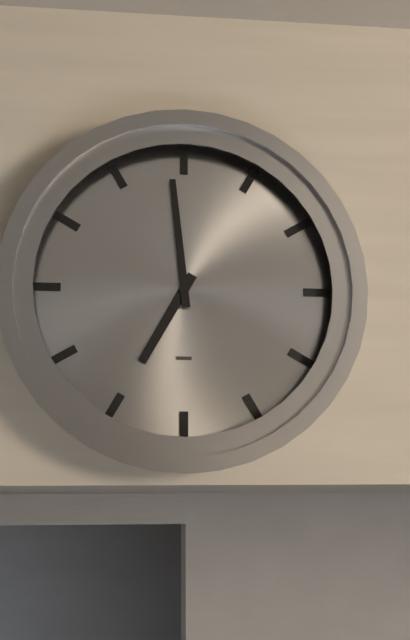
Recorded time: **6:59**
